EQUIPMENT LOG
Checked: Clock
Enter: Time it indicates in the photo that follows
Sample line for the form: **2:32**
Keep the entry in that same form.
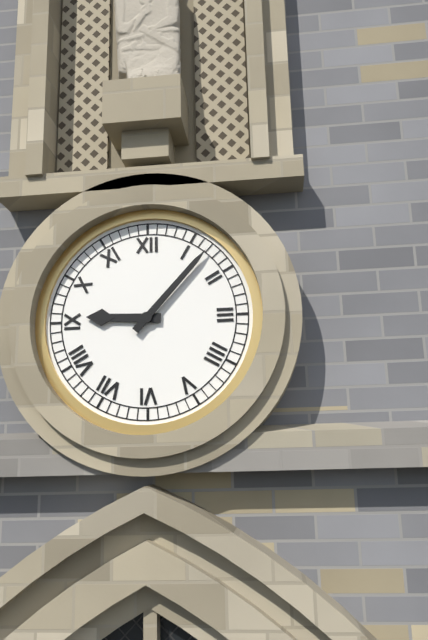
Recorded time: **9:07**
